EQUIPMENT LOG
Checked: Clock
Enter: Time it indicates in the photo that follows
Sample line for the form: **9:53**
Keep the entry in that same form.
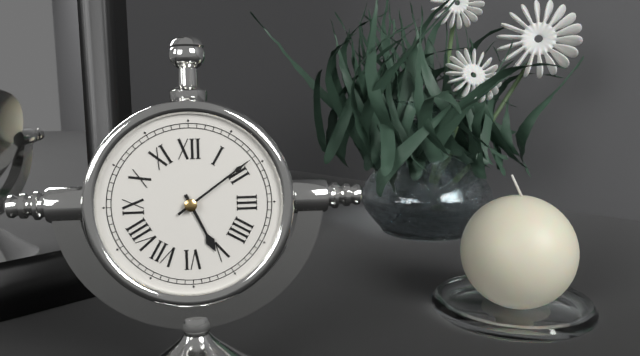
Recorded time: **5:09**
